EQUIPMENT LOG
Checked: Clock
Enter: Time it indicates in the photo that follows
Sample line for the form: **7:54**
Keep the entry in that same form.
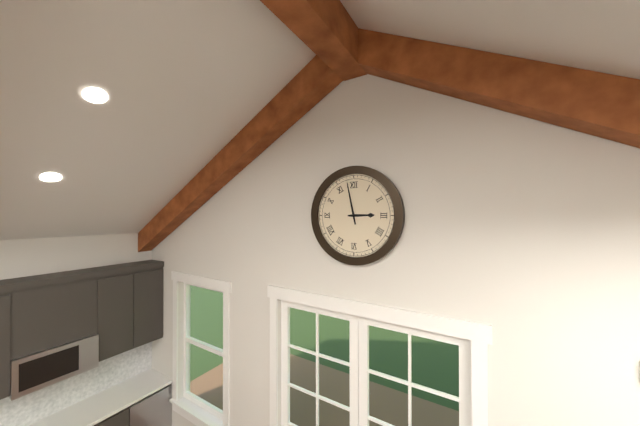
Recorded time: **2:58**
